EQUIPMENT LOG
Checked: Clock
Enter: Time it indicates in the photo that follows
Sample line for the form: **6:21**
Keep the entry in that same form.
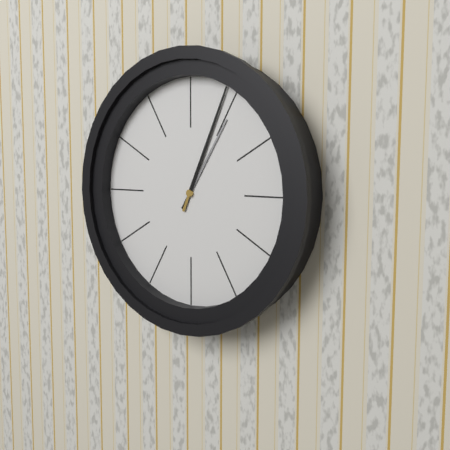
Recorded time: **1:04**
